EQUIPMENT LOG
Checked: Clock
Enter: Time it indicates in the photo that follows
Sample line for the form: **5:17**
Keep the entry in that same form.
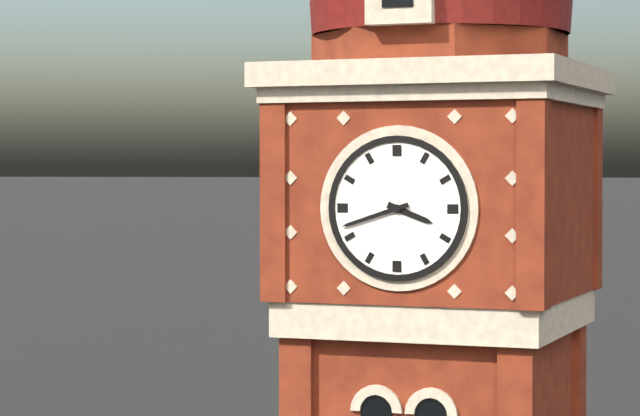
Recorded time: **3:42**
